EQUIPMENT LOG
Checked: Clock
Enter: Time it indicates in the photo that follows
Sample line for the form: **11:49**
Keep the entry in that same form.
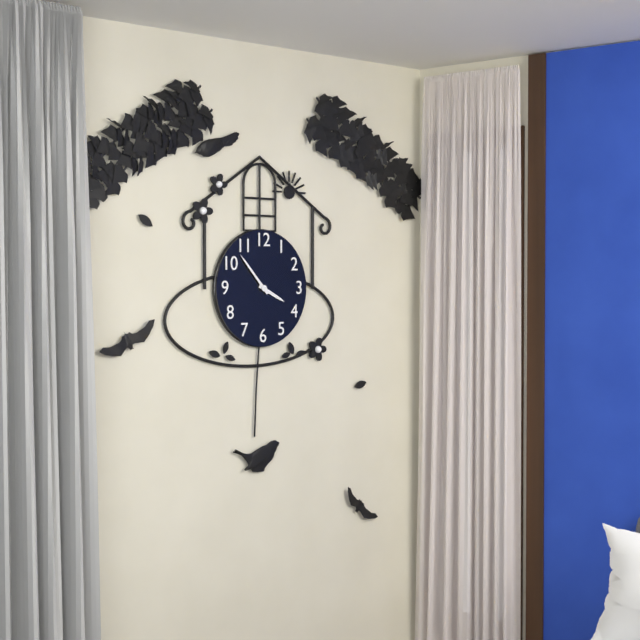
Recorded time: **3:53**
